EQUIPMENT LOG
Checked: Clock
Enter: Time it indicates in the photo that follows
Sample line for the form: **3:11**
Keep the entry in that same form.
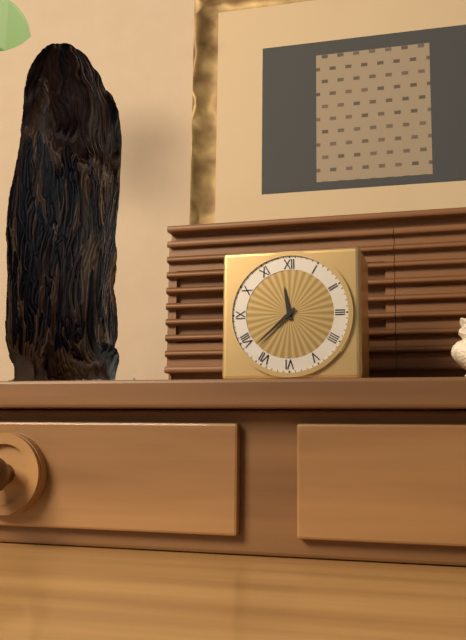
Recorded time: **11:38**
